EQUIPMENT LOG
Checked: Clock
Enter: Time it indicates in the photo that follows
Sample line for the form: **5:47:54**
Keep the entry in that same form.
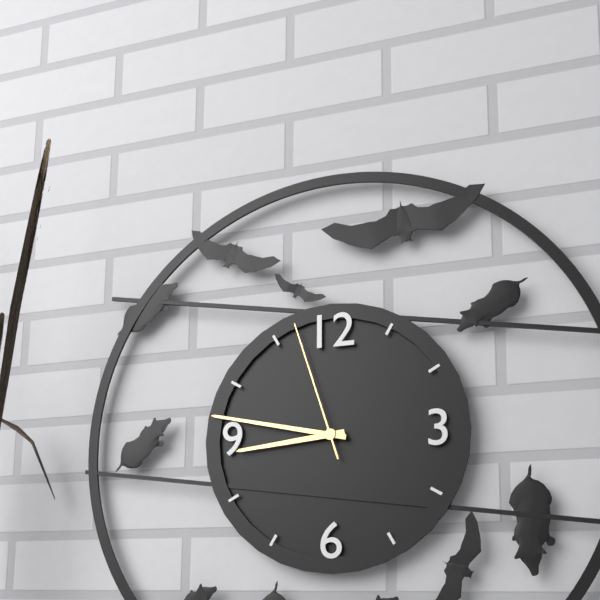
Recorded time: **8:47:57**
